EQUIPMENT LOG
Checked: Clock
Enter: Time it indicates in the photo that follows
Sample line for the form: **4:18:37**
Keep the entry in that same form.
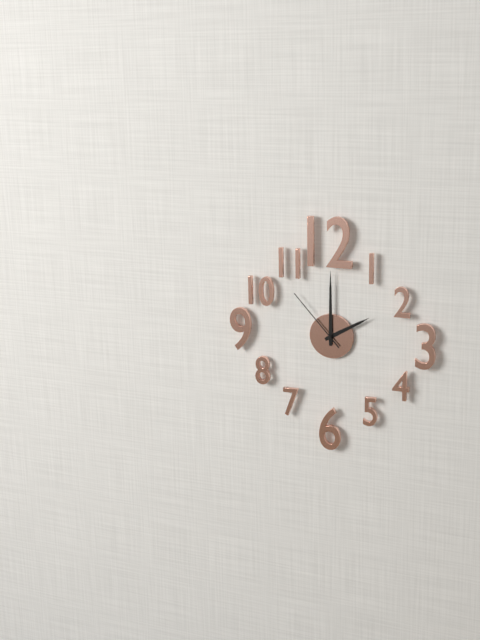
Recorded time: **2:00:53**
